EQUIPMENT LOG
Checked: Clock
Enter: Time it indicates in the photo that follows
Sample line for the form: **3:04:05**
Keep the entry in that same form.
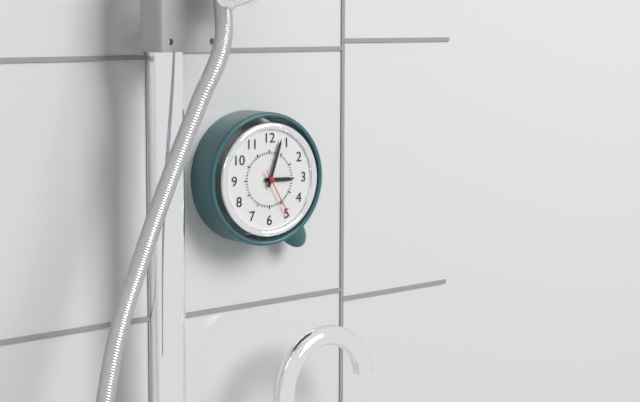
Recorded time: **3:03:25**
